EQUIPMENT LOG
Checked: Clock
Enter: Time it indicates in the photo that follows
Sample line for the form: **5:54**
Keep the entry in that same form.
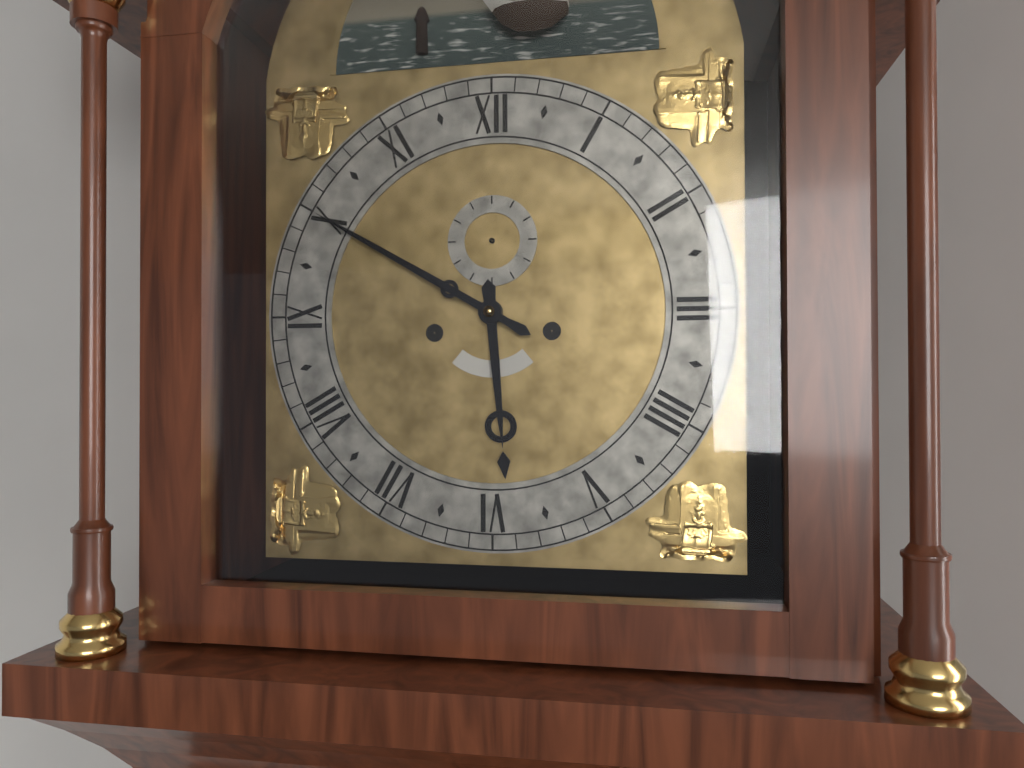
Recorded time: **5:50**
